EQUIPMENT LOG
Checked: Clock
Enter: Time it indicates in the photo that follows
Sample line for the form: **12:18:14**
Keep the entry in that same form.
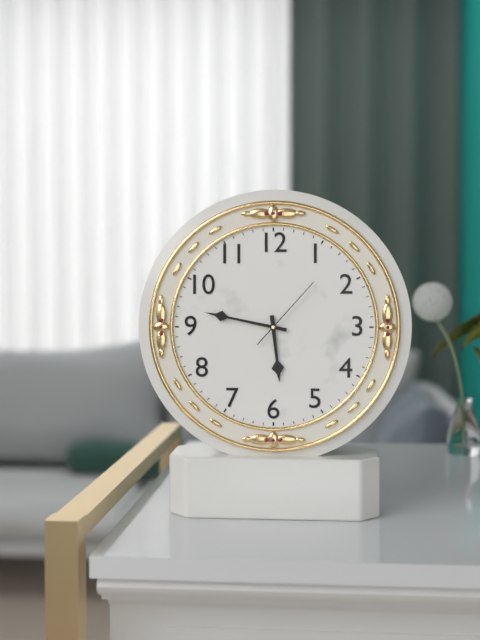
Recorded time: **5:47:07**
